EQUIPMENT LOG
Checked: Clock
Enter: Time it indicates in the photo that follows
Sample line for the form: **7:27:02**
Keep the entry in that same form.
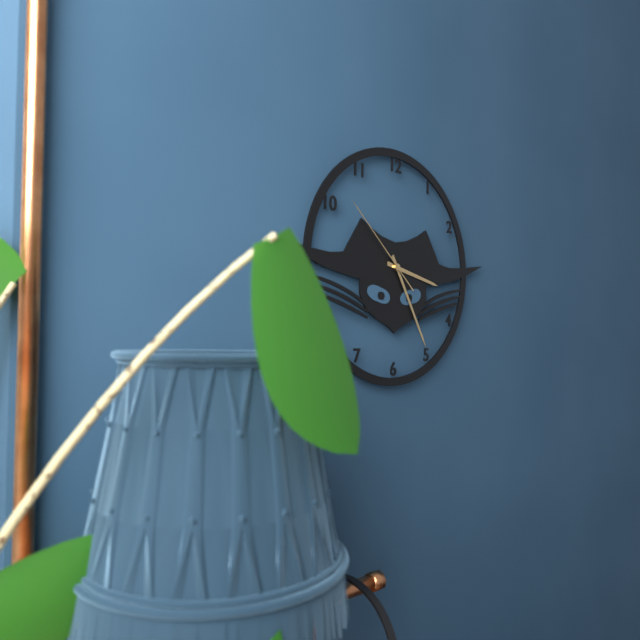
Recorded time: **3:25:52**
